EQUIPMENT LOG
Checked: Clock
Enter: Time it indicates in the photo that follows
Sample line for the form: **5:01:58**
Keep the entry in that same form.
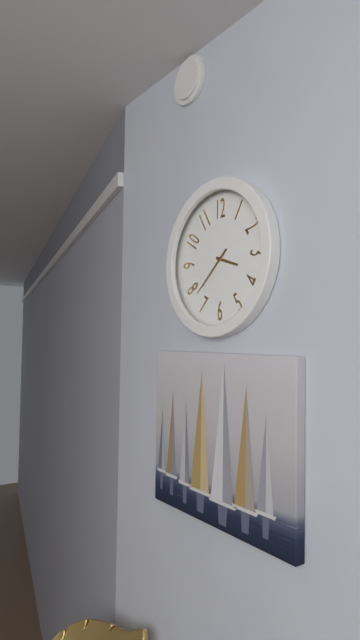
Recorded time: **3:38:38**
